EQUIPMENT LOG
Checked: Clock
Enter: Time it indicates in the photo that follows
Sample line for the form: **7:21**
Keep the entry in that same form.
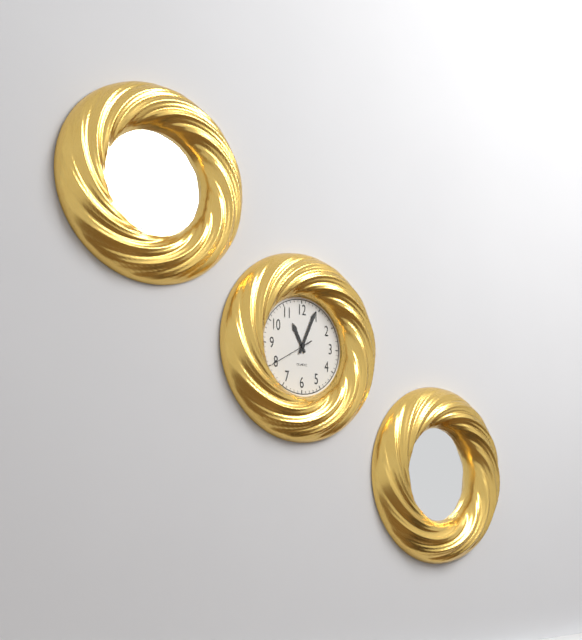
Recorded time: **11:04**
